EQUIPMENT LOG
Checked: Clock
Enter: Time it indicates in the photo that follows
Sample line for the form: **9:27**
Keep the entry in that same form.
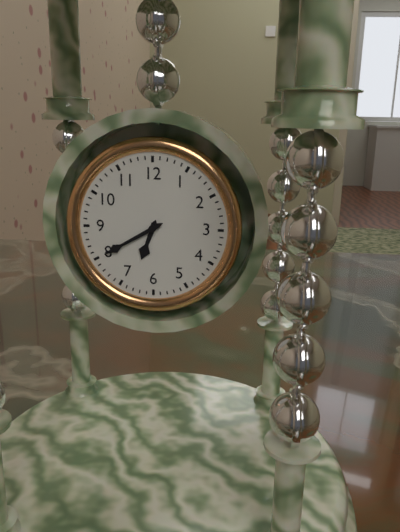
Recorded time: **6:40**
